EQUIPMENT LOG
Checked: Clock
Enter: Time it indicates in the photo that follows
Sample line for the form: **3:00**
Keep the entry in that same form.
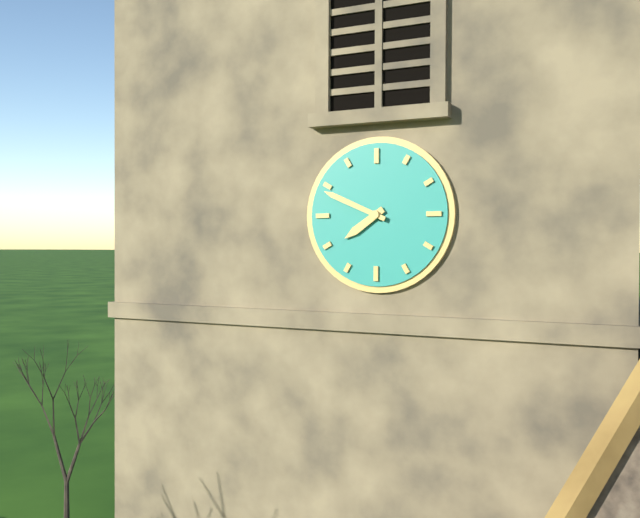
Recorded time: **7:49**
